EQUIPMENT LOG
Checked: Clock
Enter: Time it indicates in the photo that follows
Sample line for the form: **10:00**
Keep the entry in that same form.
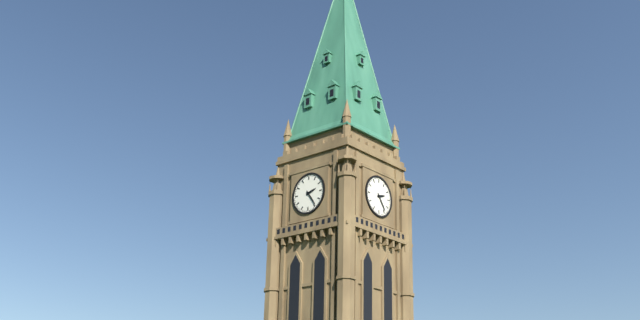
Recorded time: **2:24**
